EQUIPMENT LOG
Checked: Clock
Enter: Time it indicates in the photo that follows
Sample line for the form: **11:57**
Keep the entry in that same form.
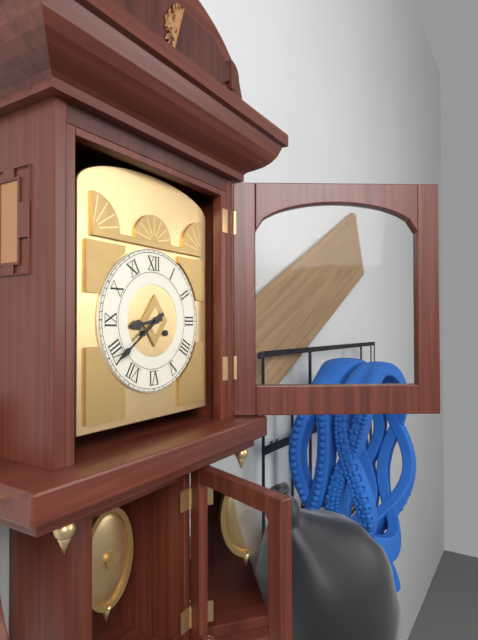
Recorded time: **8:39**
